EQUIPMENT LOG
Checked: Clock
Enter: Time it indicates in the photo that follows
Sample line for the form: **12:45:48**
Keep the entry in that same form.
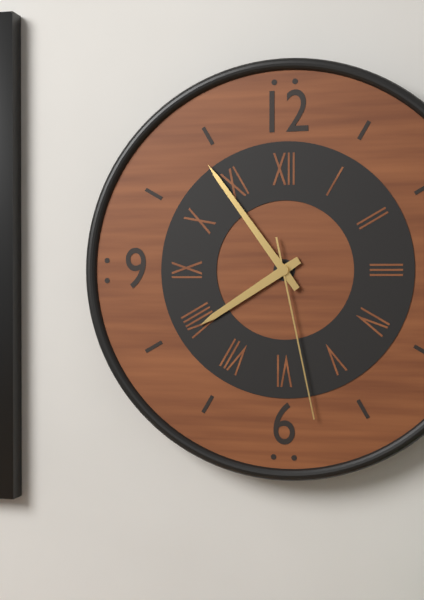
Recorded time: **7:54:28**
